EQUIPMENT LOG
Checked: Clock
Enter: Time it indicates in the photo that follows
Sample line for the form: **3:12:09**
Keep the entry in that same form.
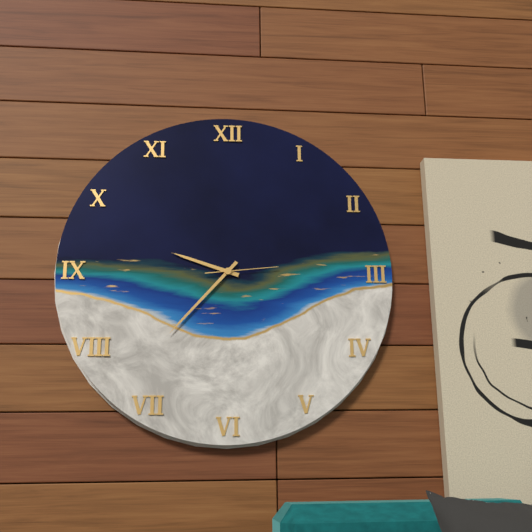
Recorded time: **9:37:14**
